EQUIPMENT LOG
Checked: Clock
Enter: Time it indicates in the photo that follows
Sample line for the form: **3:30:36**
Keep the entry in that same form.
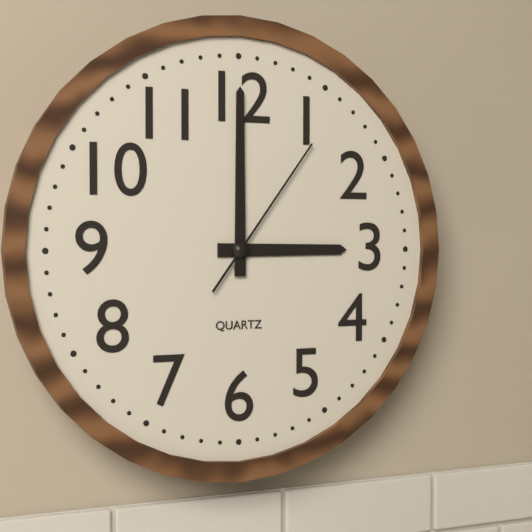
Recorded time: **3:00:06**
